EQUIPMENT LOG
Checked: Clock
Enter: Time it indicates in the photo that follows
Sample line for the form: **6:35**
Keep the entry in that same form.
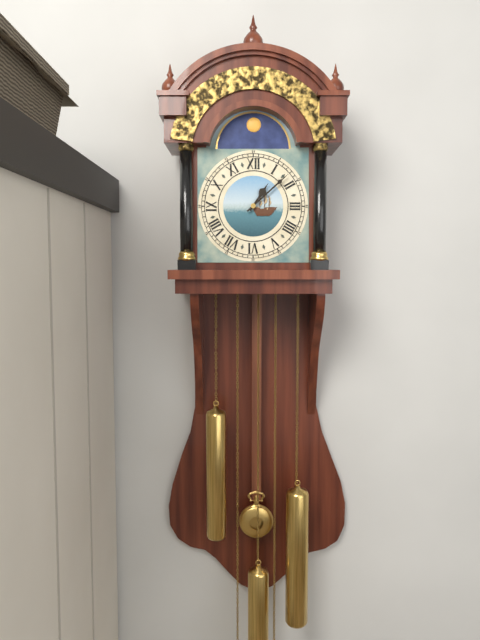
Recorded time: **1:08**
